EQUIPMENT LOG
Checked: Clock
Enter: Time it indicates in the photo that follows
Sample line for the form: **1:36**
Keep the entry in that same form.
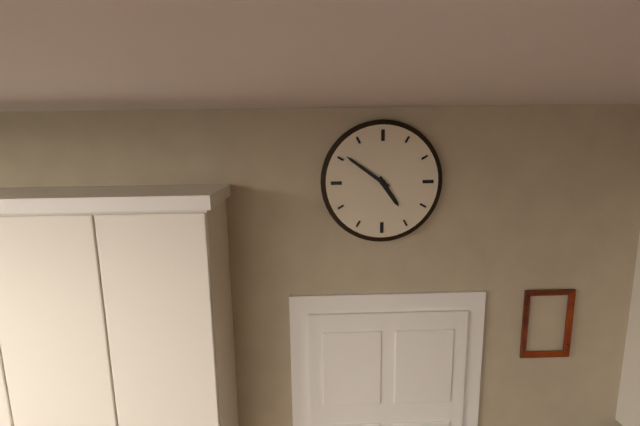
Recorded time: **4:51**
